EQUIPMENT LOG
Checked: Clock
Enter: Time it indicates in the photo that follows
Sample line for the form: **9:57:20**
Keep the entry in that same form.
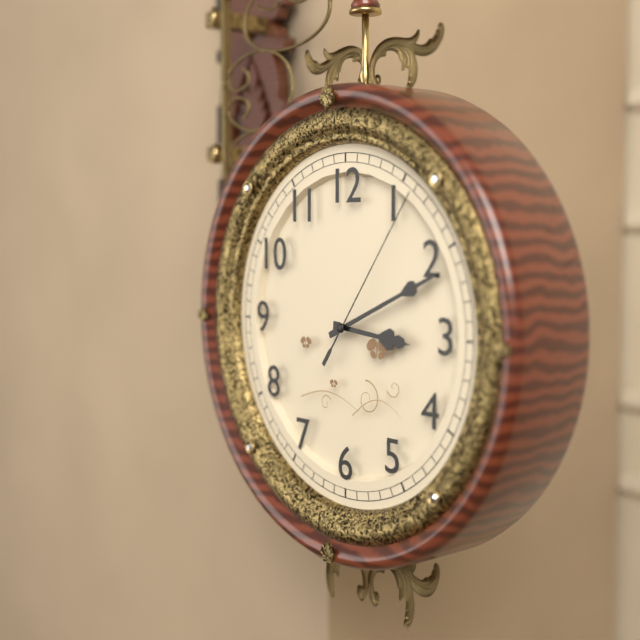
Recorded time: **3:11:06**
